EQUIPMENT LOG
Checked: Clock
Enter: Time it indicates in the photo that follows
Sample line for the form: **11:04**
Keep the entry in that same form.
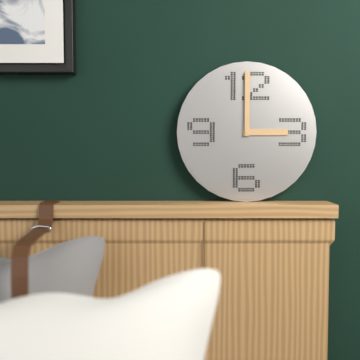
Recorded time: **3:00**
